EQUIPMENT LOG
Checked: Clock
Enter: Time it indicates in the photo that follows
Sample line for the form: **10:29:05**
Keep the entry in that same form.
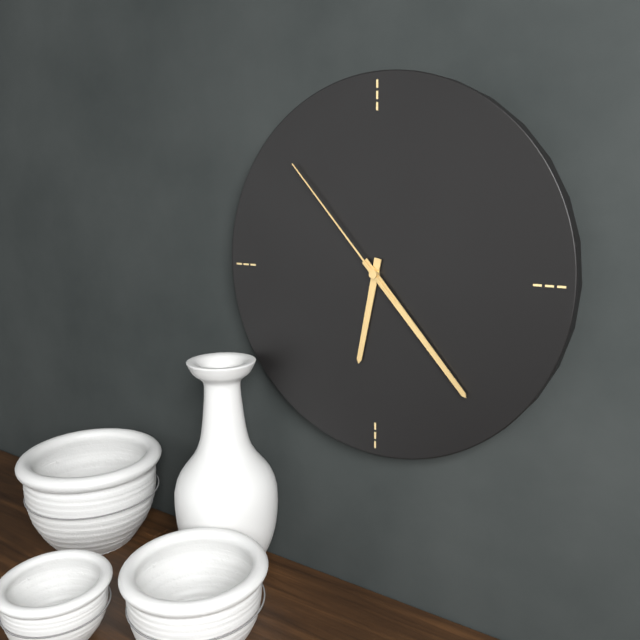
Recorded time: **6:23:53**
